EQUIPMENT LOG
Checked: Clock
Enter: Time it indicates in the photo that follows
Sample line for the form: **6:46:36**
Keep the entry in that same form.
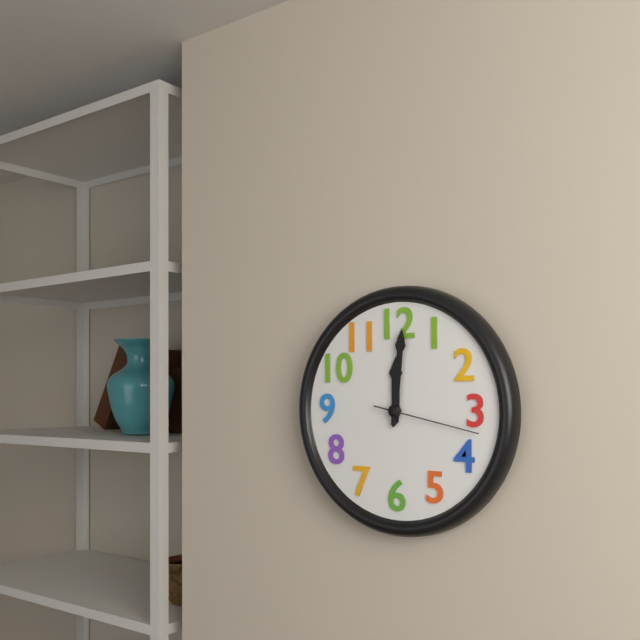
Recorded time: **12:01:17**
